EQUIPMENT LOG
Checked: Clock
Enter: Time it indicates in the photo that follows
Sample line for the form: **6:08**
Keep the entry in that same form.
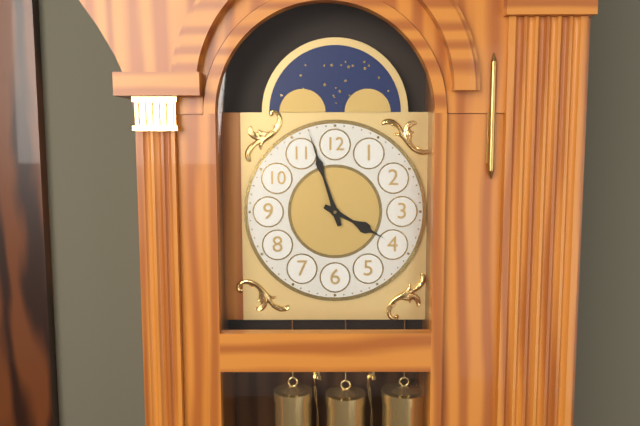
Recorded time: **3:57**
